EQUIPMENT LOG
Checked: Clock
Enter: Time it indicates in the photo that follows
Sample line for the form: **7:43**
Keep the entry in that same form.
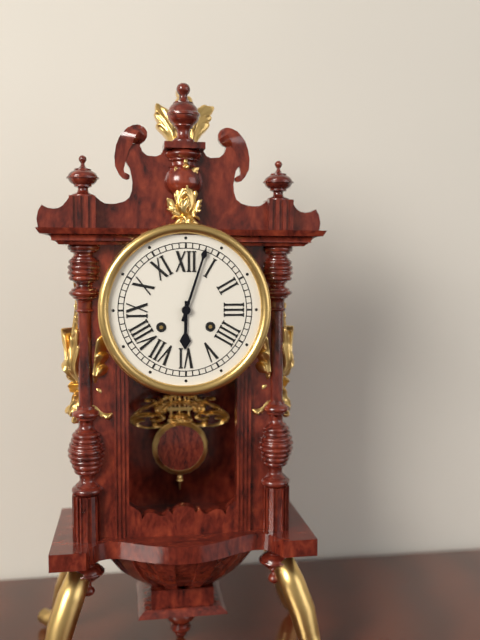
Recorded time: **6:03**
